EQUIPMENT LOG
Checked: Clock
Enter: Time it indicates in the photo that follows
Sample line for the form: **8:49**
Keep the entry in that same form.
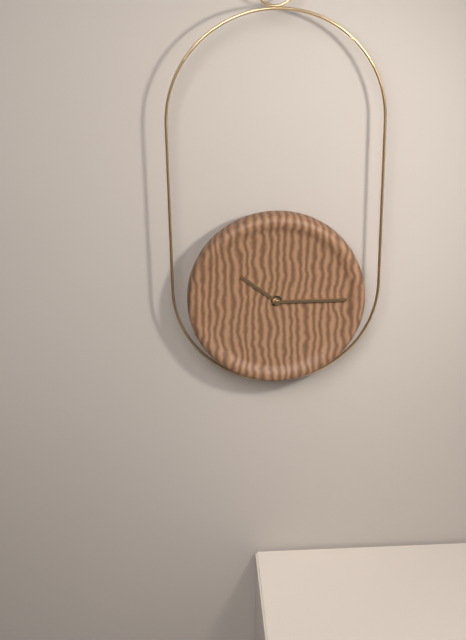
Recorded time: **10:15**
